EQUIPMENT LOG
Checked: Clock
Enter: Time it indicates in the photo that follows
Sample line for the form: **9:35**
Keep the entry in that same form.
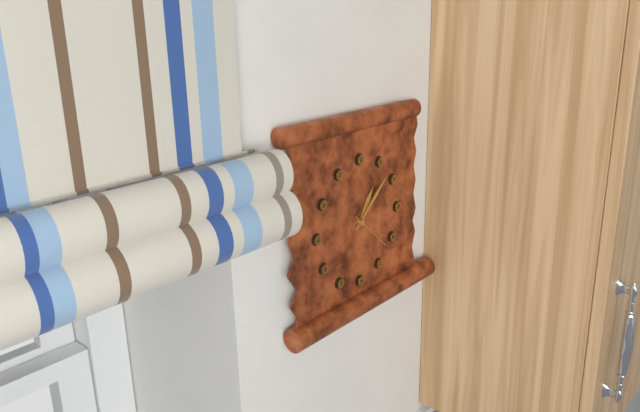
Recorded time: **1:08**
